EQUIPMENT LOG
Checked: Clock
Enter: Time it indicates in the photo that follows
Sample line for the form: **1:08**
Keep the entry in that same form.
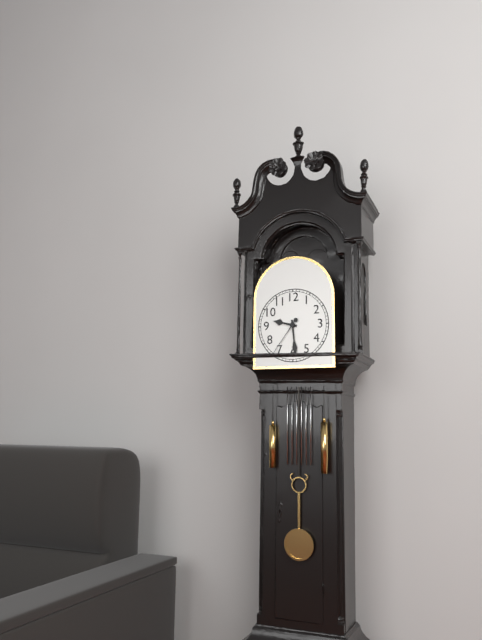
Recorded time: **9:29**
